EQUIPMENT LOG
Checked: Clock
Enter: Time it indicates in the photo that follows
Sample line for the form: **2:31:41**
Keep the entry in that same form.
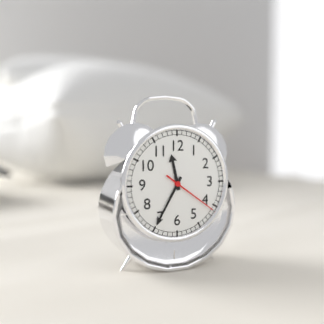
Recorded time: **11:35:21**
